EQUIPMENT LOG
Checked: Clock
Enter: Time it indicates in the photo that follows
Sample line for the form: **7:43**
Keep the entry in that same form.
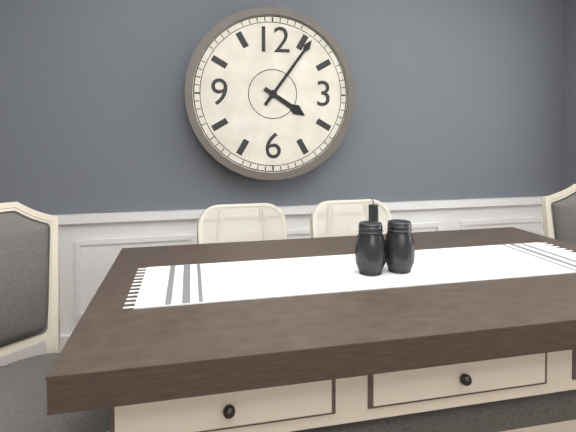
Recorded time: **4:06**
